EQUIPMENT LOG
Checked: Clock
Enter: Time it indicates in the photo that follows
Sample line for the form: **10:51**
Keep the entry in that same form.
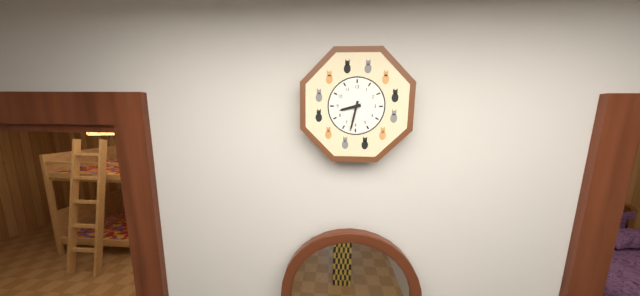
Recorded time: **8:32**
